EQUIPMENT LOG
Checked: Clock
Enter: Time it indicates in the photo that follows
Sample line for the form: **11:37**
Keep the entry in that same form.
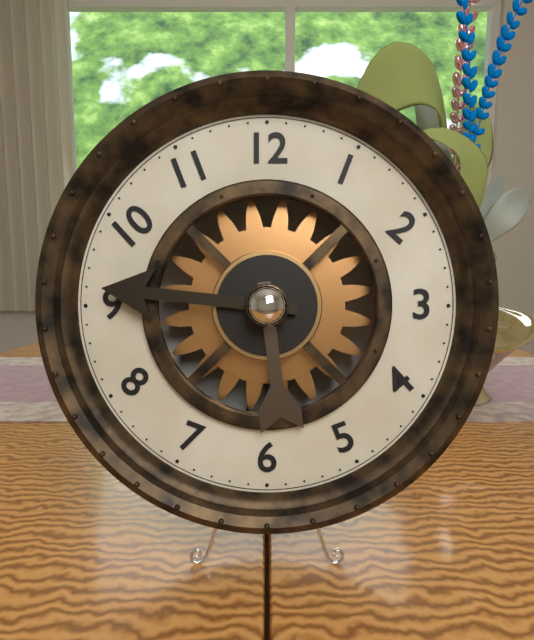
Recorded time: **5:46**
